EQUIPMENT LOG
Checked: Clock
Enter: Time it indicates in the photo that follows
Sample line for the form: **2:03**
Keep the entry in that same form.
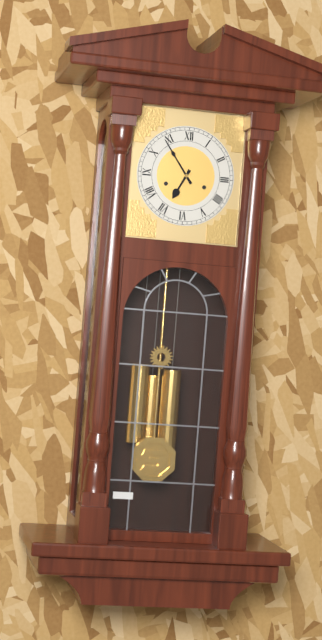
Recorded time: **6:54**
